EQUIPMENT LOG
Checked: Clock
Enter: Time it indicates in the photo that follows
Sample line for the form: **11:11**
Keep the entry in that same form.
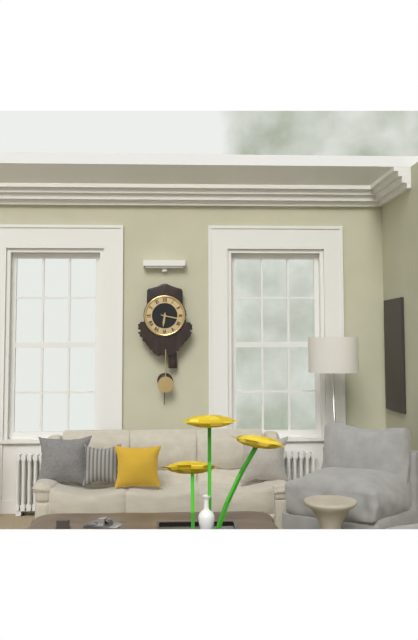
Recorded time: **6:17**
